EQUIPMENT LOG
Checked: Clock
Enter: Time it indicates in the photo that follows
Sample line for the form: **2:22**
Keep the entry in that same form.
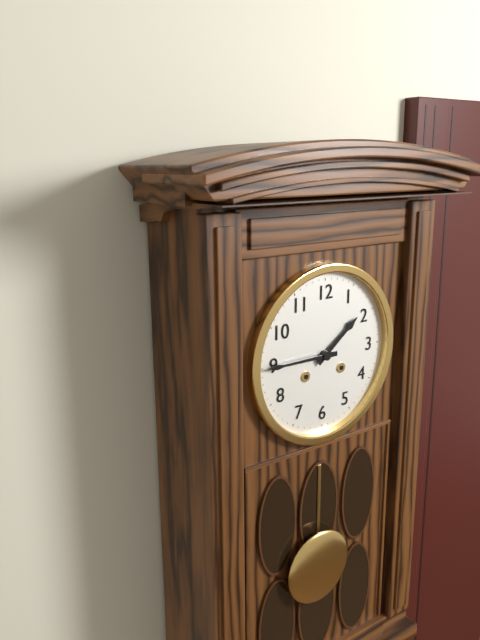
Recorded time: **1:45**
